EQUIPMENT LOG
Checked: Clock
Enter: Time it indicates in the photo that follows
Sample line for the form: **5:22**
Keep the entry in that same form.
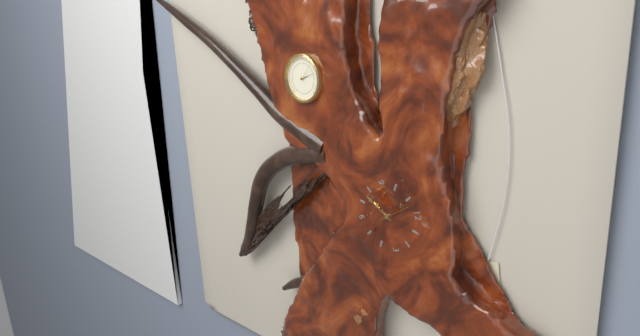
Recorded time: **7:38**
